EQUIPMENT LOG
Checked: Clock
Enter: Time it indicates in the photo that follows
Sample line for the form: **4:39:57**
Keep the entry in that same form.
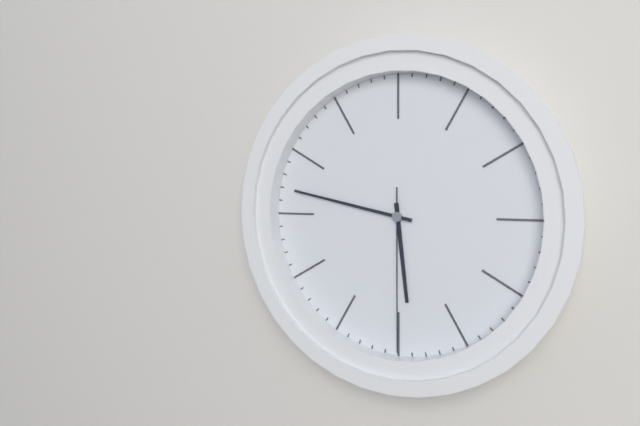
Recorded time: **5:47:30**
